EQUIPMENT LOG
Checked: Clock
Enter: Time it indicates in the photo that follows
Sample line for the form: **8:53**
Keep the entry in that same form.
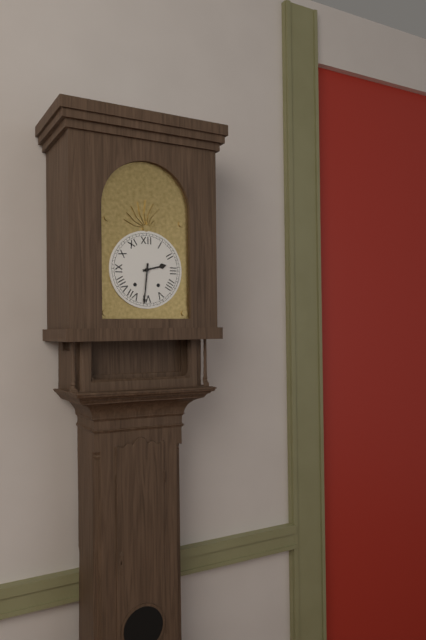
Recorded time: **2:31**
